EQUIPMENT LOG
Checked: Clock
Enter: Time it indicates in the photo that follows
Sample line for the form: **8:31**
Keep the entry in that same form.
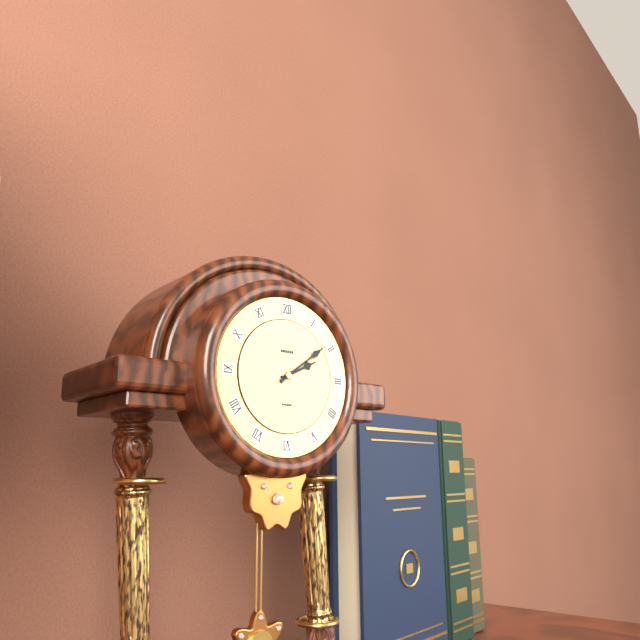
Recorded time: **2:09**
